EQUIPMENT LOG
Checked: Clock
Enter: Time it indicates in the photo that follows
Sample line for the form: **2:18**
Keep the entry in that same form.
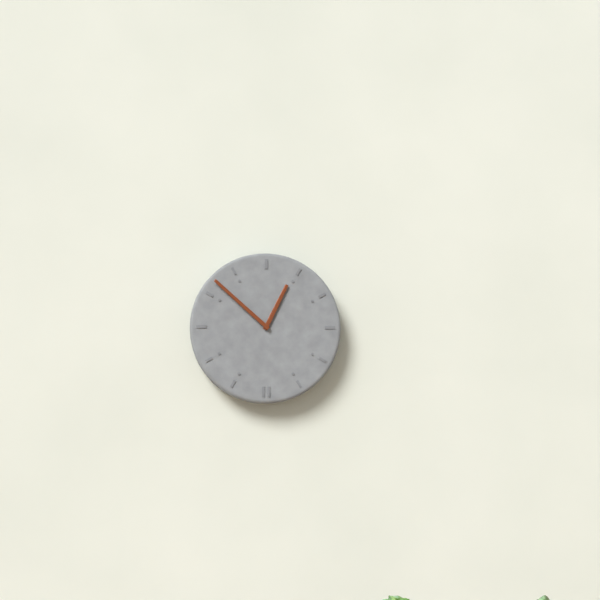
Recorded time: **12:52**
